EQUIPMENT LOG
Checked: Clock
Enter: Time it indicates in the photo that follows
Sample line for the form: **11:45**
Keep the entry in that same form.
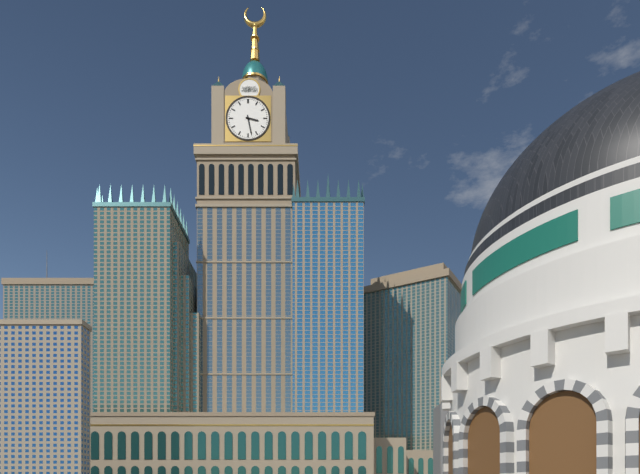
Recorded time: **3:28**
